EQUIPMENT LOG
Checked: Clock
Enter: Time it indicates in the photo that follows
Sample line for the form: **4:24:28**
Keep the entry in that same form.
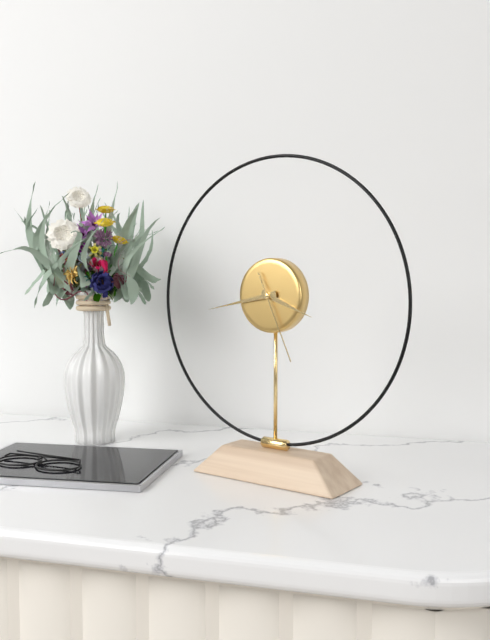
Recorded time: **3:43:26**
